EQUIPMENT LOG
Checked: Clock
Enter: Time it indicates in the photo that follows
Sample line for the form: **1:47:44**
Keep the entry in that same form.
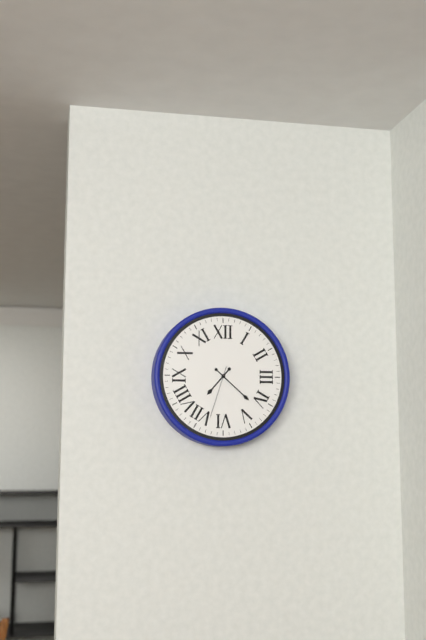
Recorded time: **7:22:33**
